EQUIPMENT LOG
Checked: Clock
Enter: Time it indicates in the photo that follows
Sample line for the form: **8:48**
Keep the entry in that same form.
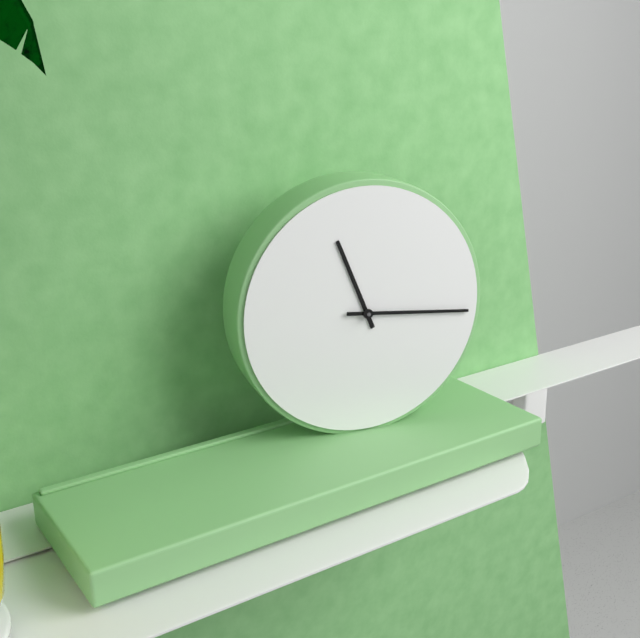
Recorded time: **11:16**
